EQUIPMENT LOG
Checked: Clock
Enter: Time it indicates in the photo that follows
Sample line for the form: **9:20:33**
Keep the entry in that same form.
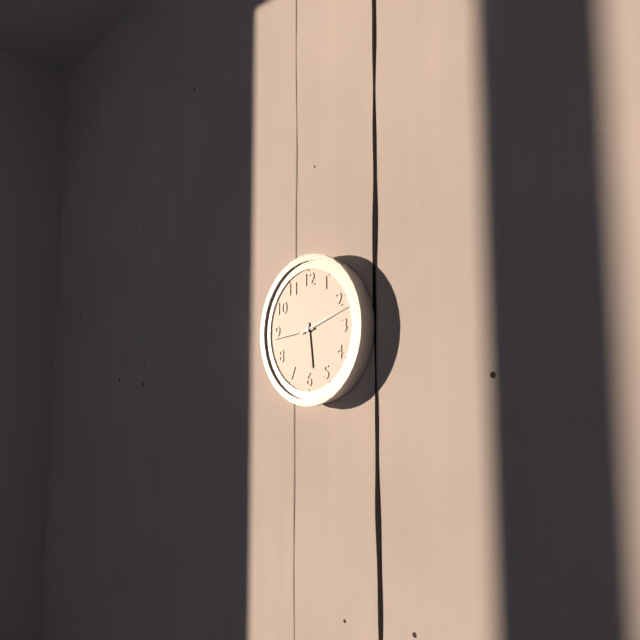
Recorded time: **5:44:12**
